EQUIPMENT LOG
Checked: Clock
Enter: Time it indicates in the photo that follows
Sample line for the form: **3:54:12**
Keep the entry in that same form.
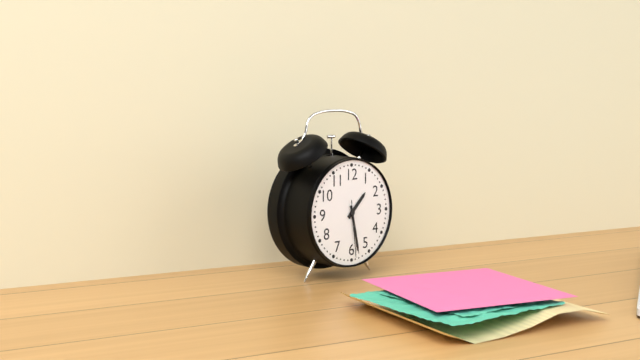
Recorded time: **1:28:29**
